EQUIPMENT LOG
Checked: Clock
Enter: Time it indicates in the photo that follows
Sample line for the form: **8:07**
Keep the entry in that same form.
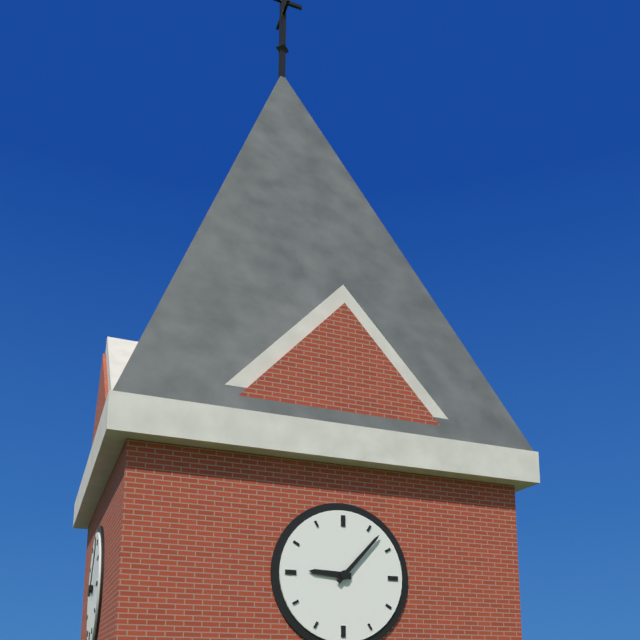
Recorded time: **9:07**
